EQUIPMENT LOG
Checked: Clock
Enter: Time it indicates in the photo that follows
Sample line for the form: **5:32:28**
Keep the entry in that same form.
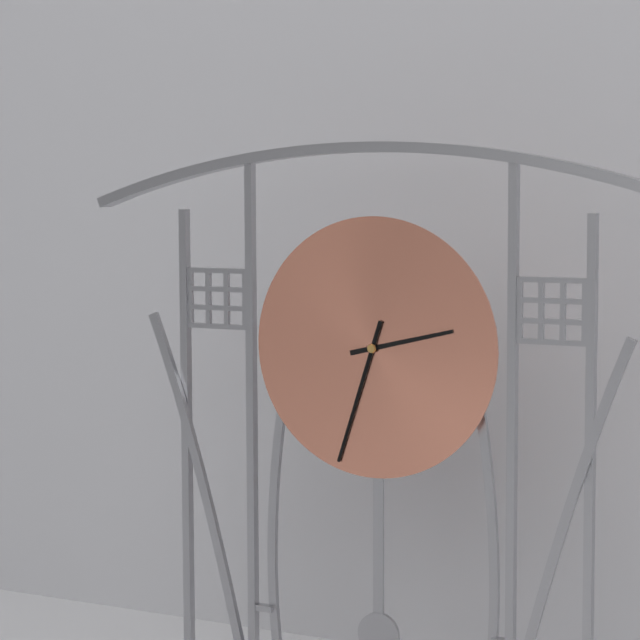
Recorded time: **2:33:33**
